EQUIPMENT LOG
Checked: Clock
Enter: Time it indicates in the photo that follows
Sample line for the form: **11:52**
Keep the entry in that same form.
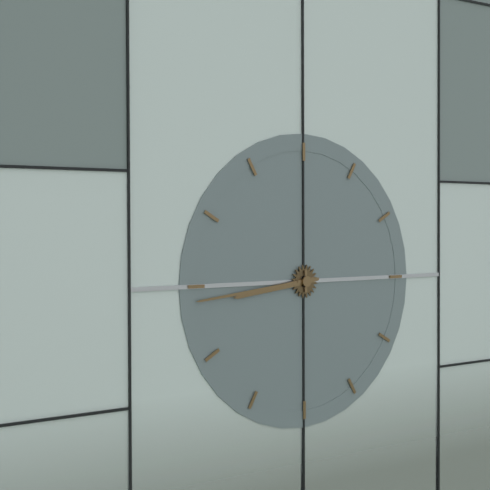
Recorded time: **8:44**
